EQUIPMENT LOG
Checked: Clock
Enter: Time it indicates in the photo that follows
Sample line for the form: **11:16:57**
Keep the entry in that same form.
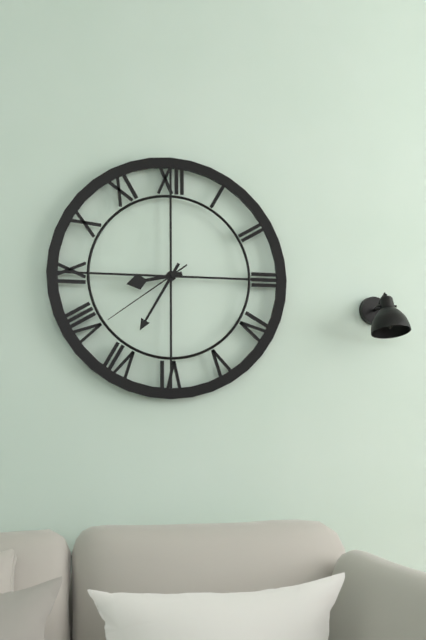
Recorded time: **8:35:39**
